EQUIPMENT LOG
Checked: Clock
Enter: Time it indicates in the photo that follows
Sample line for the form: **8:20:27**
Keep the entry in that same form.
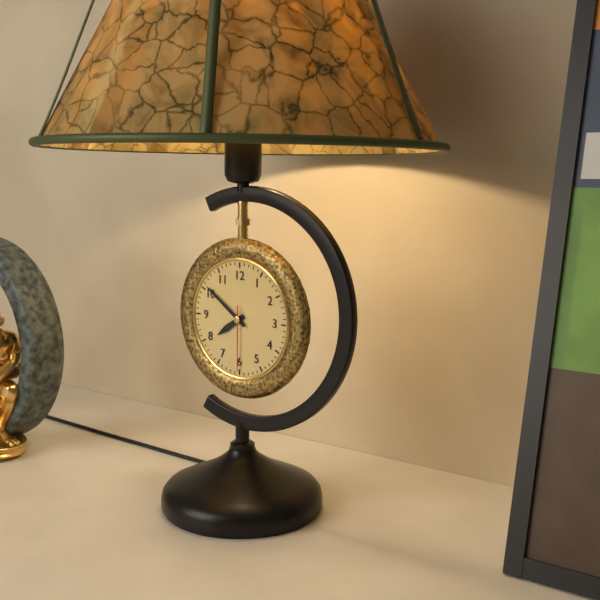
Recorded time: **7:51:30**
